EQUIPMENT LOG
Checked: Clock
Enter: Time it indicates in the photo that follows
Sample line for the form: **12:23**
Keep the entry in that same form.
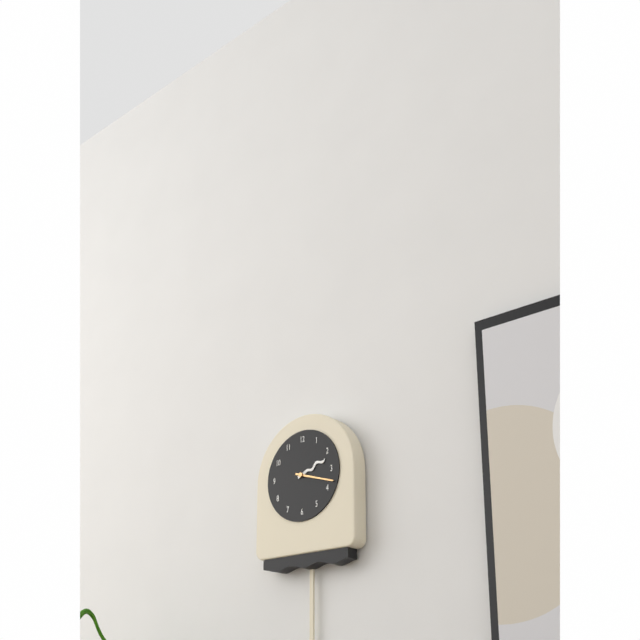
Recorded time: **2:18**
